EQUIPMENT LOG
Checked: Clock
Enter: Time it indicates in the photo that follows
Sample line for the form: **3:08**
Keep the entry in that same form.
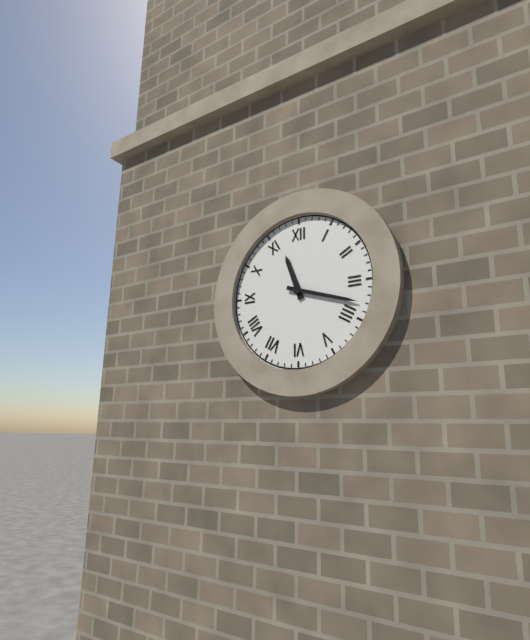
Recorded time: **11:18**
